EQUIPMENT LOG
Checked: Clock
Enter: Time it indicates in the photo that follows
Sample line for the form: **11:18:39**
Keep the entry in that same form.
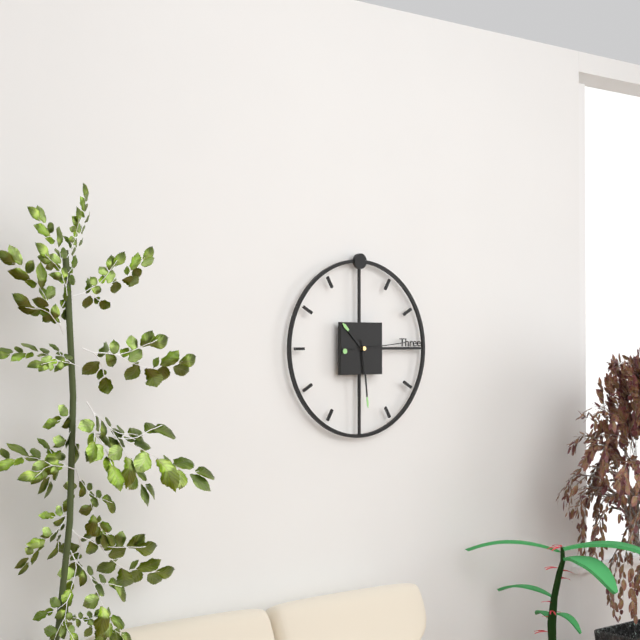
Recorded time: **10:29:14**
